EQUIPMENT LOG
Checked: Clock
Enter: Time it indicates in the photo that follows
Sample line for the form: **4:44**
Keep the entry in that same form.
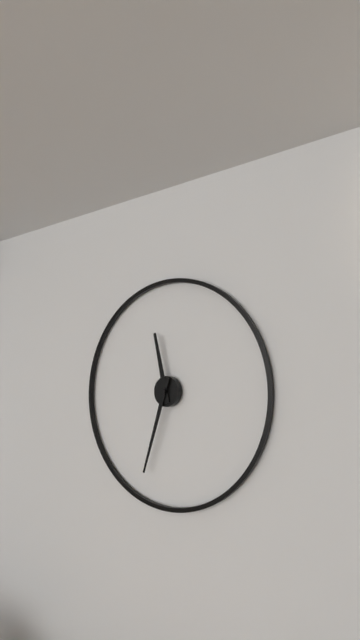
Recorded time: **11:33**
